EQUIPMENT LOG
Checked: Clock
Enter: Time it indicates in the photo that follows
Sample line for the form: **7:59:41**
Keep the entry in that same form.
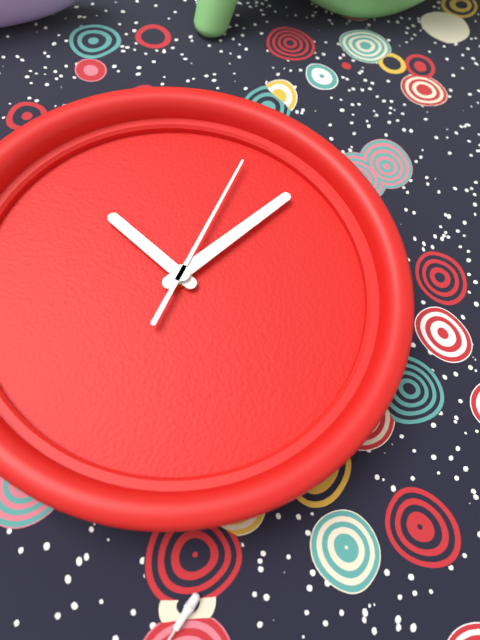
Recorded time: **11:12:08**
